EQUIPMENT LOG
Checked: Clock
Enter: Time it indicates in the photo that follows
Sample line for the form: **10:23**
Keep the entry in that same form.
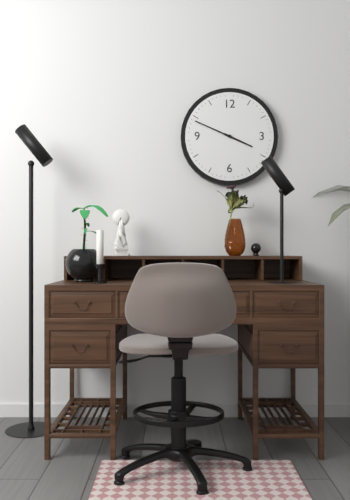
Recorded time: **3:49**
